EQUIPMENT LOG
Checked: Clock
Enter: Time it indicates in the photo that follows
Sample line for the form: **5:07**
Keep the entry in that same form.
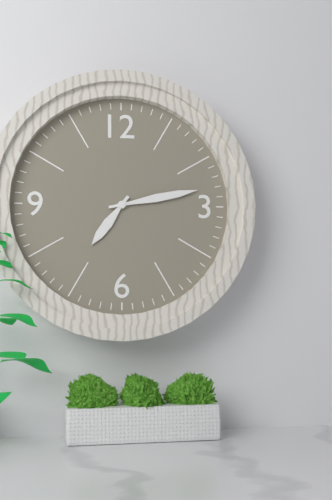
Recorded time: **7:13**
